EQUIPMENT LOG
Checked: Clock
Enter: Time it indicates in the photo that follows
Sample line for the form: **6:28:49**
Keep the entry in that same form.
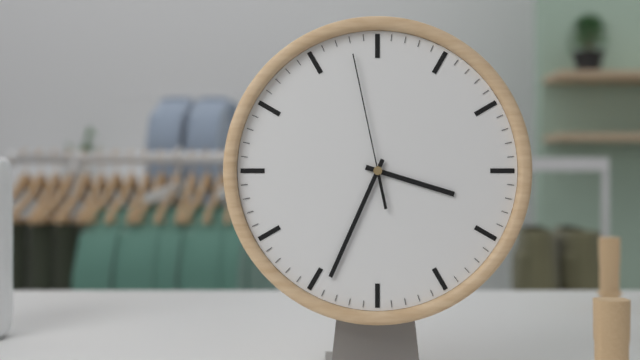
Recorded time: **3:34:58**
